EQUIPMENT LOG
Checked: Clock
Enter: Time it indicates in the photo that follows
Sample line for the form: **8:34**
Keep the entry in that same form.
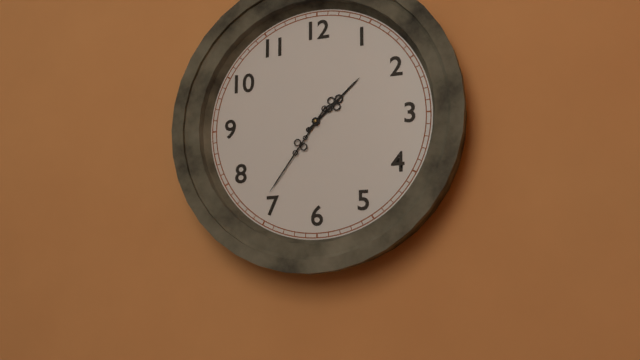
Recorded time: **1:36**
